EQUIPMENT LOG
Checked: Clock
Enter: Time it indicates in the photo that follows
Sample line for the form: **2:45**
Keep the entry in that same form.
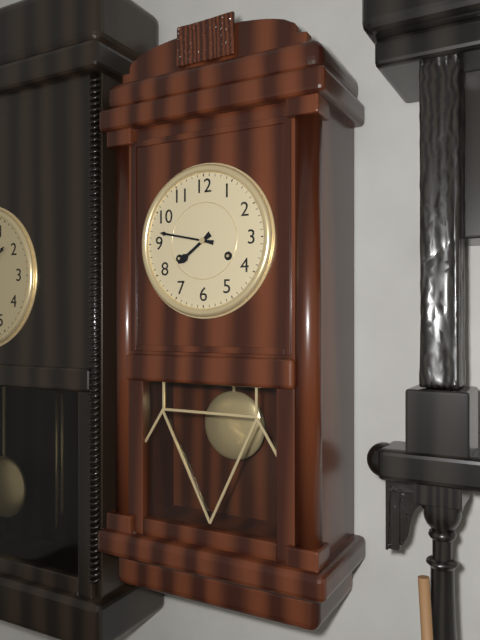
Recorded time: **7:47**
